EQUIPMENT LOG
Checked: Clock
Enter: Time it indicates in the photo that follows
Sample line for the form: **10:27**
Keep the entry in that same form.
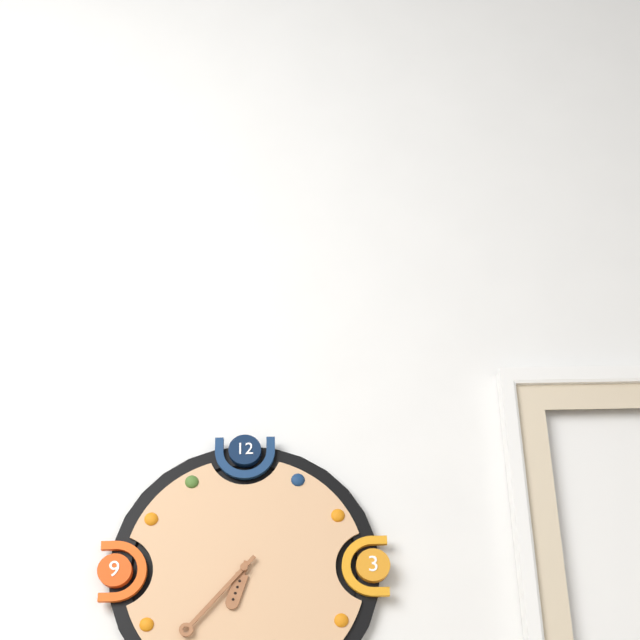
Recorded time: **6:37**
